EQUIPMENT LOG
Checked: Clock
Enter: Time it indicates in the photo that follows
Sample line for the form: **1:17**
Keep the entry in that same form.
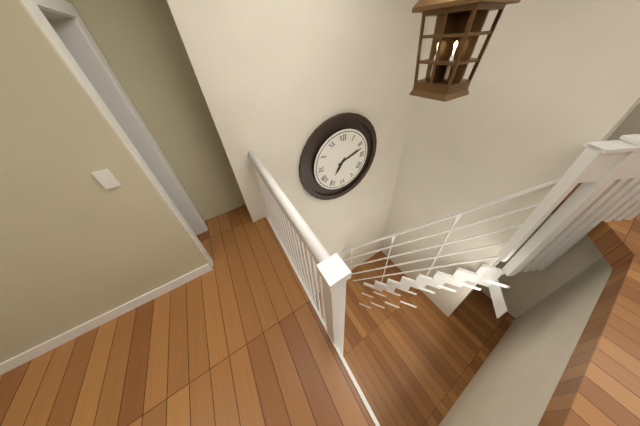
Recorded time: **7:12**
